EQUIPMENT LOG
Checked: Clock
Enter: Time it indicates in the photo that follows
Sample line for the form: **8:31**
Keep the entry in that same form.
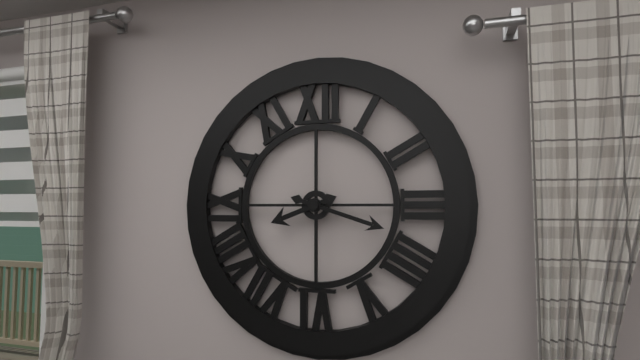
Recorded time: **8:18**
